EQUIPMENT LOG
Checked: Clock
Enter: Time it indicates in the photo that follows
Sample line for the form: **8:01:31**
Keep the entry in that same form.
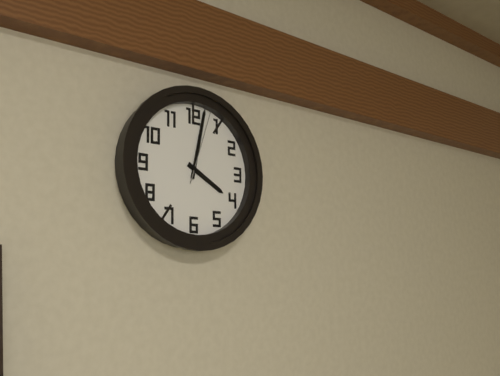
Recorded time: **4:02:03**
